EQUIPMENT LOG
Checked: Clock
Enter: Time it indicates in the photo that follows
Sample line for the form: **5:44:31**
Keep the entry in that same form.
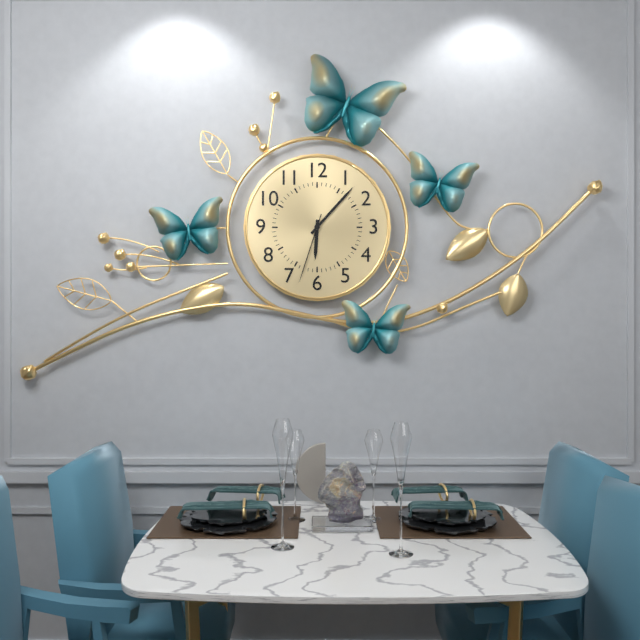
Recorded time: **6:07:33**
